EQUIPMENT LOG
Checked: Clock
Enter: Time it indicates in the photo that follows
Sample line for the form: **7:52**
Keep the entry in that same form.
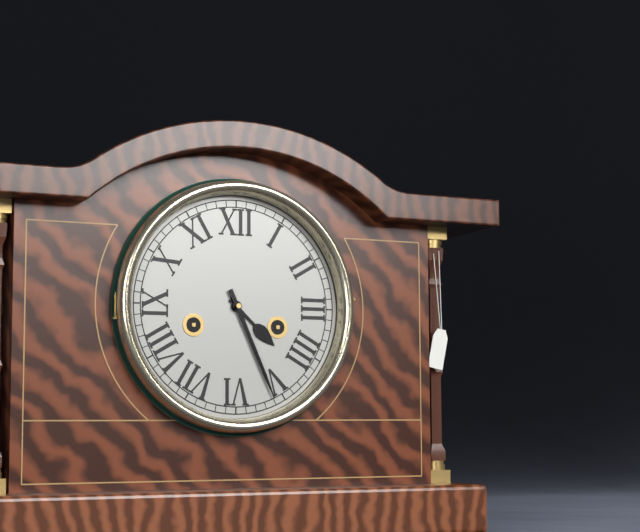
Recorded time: **4:26**
